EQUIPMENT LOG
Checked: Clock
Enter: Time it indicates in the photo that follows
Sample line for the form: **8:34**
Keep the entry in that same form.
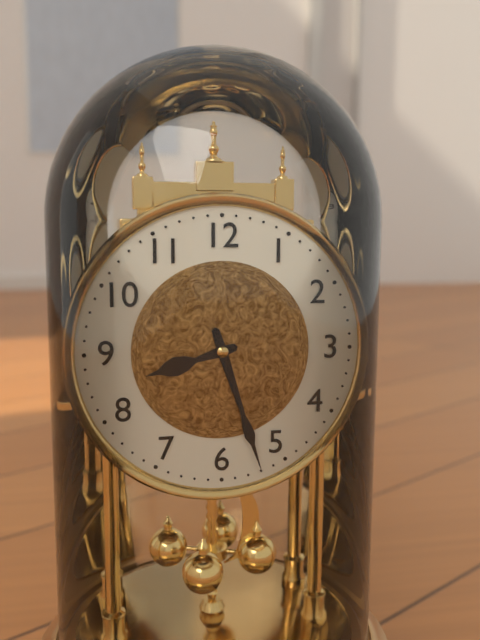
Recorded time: **8:27**
